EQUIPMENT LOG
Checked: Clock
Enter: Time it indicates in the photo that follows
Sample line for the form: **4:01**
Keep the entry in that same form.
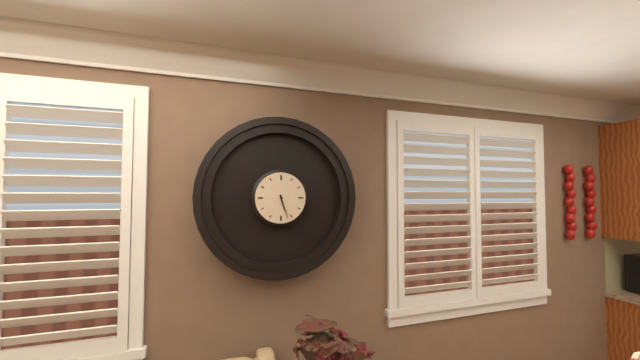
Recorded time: **5:27**
